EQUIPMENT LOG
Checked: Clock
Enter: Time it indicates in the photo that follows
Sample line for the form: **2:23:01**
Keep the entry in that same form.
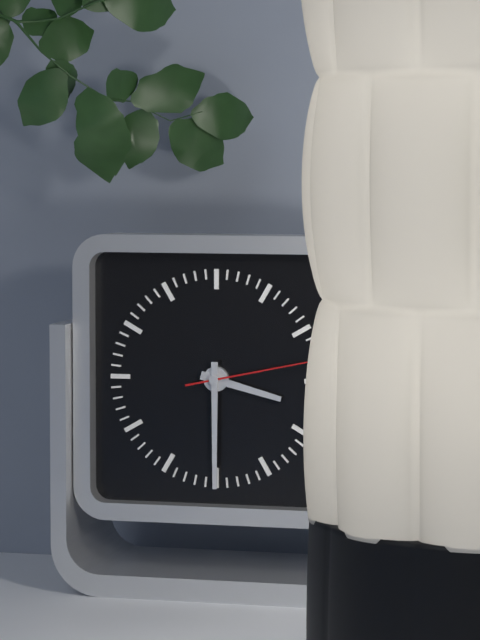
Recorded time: **3:30:13**
